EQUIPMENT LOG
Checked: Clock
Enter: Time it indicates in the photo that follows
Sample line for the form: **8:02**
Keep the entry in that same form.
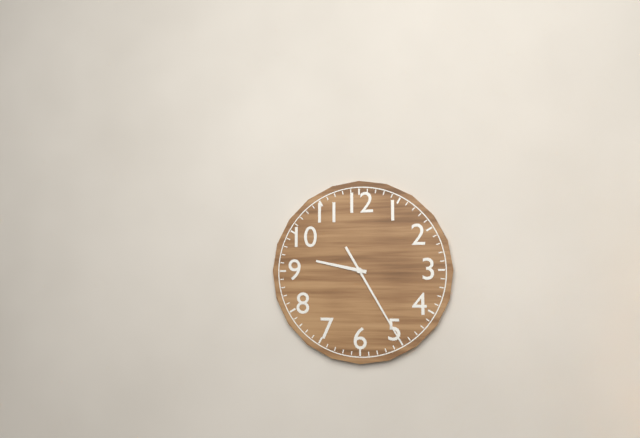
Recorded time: **9:25**
